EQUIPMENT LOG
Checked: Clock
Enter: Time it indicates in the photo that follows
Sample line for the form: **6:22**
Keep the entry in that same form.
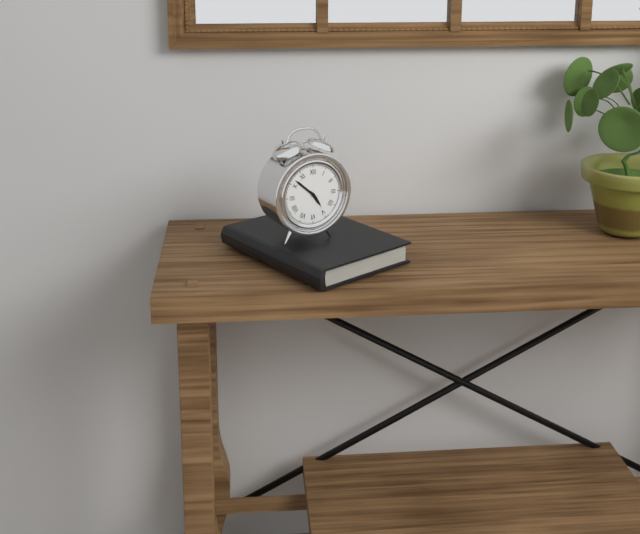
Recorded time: **4:52**
